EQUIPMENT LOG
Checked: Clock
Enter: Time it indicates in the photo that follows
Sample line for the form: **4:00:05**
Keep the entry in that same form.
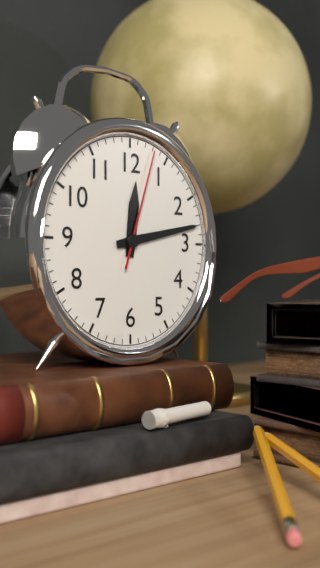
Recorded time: **12:13:03**
